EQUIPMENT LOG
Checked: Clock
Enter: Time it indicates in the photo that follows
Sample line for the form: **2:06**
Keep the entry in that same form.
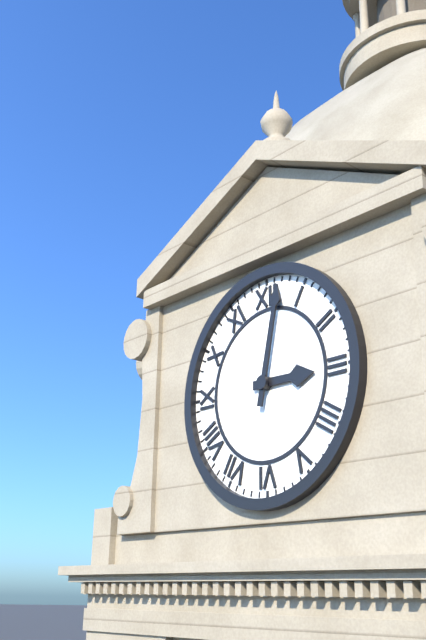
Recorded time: **3:02**
